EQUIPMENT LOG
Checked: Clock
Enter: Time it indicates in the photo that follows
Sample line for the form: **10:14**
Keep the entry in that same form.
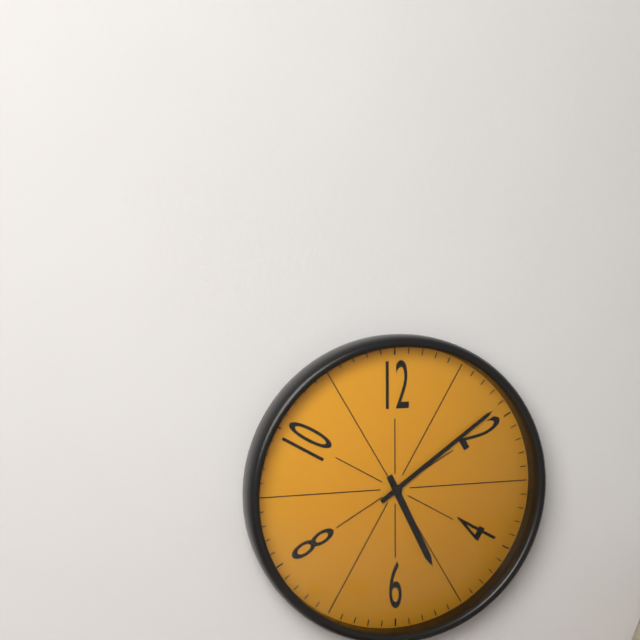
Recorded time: **5:09**
